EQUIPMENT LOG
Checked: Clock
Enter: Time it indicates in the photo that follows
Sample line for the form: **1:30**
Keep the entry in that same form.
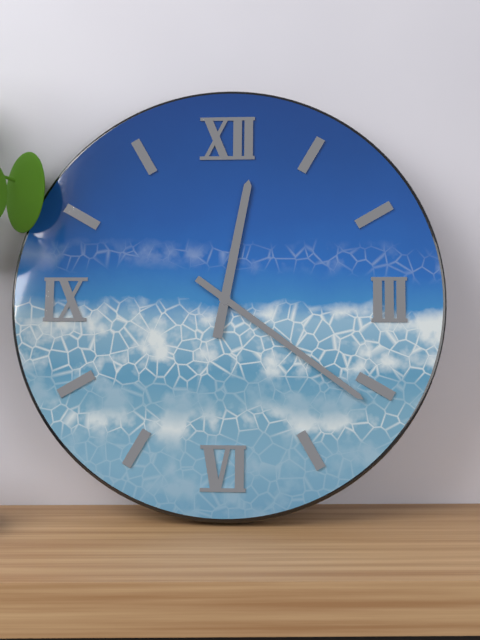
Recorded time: **12:21**
